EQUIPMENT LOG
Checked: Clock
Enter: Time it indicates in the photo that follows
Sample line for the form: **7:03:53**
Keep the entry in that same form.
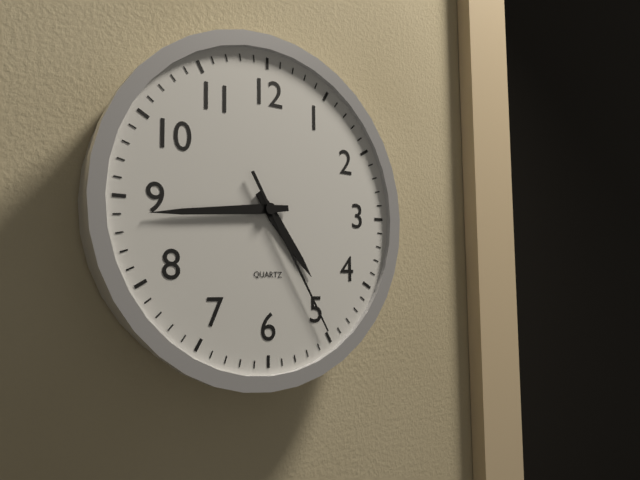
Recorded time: **4:44:25**
